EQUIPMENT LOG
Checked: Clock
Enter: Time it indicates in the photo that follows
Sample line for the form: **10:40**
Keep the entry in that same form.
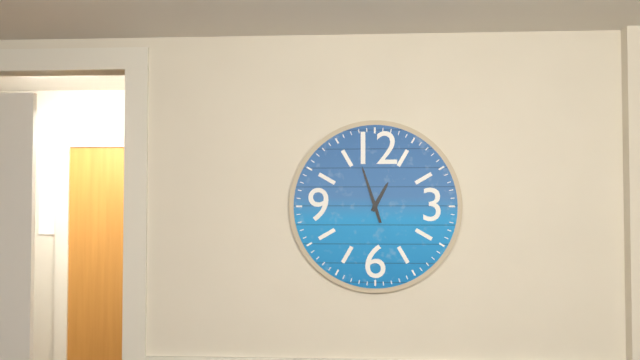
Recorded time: **12:57**
